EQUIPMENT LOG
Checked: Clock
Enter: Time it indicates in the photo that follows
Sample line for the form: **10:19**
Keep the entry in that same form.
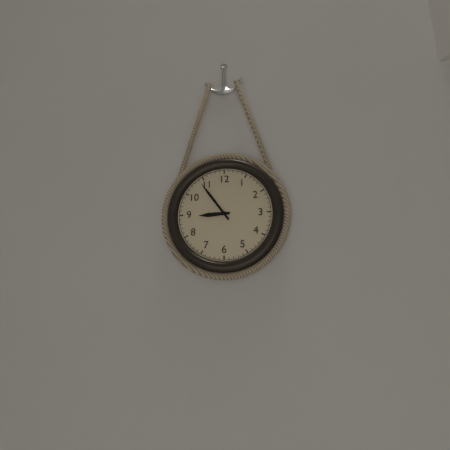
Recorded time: **8:54**
